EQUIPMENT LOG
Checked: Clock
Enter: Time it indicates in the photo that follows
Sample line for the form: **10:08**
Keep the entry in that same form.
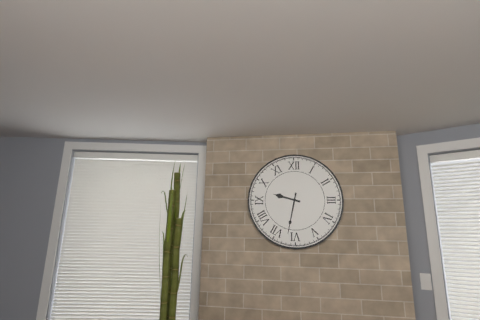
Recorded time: **9:32**
